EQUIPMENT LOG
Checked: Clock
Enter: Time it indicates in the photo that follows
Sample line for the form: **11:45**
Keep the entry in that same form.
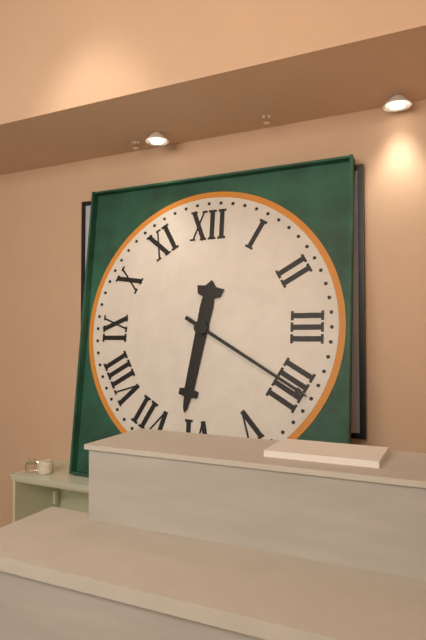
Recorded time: **6:20**
